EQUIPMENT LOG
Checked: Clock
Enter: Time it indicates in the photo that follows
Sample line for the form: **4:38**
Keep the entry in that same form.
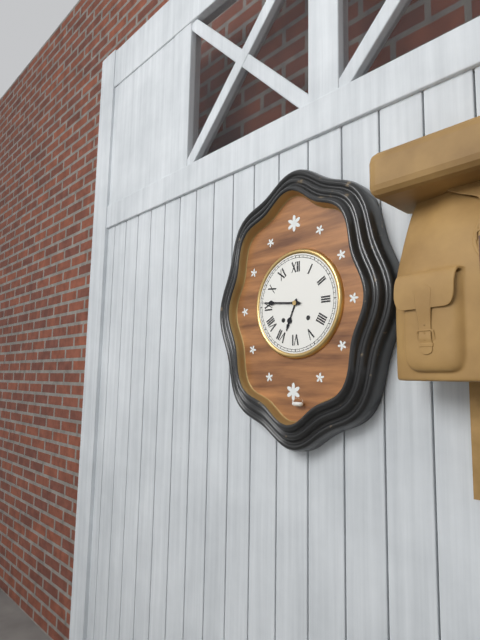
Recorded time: **6:46**
